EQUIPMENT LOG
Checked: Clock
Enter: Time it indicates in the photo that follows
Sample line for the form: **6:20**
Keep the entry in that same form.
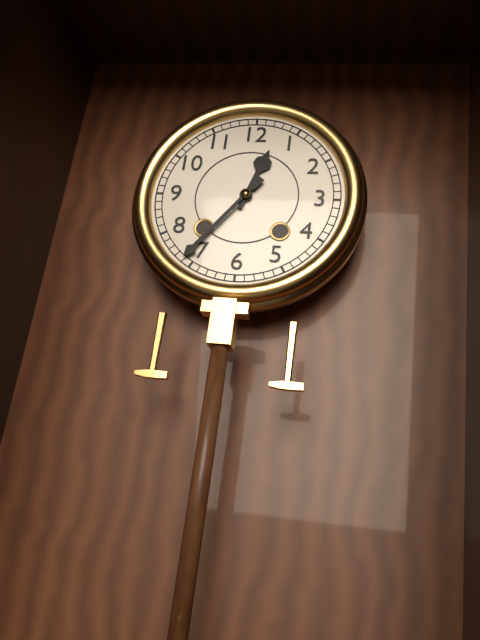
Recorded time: **12:36**
